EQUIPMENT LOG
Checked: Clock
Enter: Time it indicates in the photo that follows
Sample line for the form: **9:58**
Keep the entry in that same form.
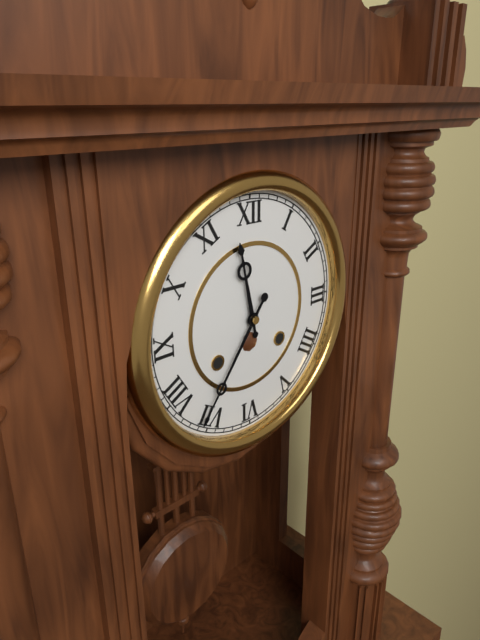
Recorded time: **11:36**
